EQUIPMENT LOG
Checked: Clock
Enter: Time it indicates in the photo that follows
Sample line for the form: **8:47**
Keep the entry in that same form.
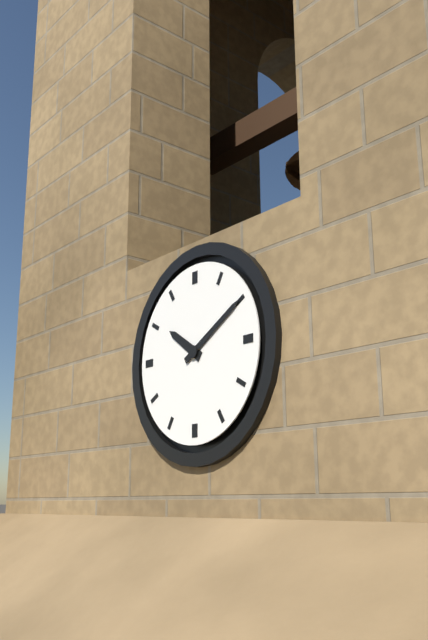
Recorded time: **10:10**
